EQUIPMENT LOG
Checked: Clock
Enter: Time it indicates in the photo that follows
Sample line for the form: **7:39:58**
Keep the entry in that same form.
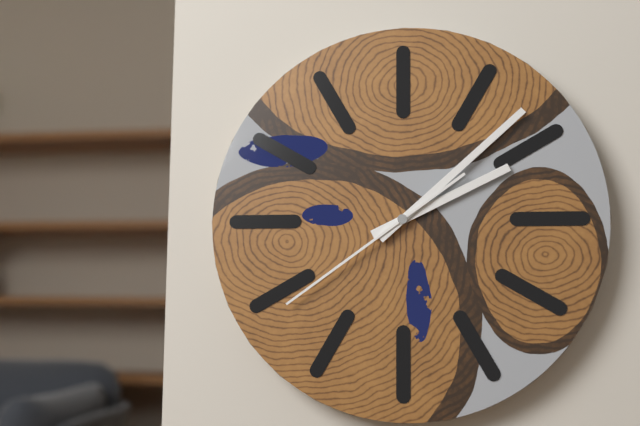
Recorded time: **2:08:39**
